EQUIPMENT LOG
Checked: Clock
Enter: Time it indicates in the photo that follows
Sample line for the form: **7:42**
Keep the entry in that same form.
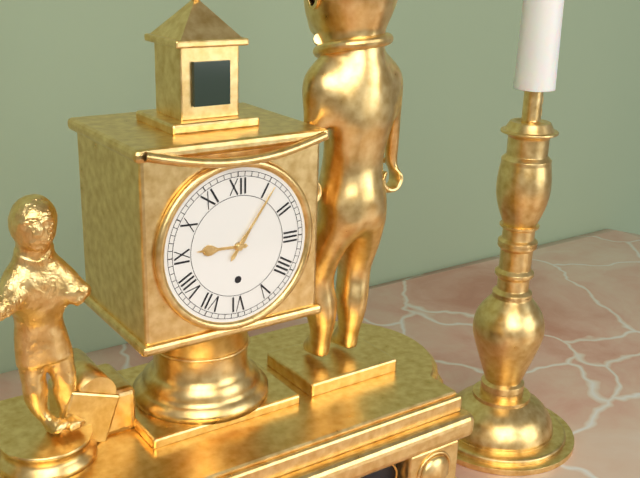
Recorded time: **9:06**
